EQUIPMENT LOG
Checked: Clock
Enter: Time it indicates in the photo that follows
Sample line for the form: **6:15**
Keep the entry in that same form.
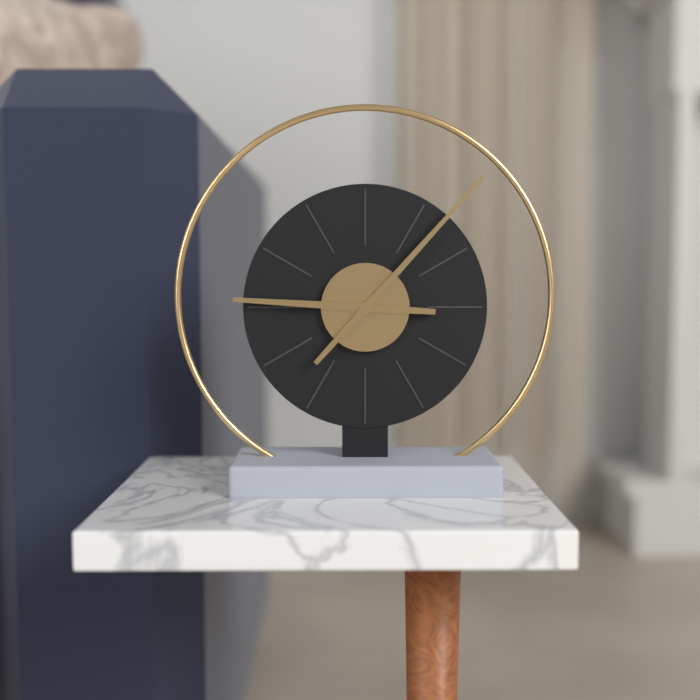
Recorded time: **9:07**
